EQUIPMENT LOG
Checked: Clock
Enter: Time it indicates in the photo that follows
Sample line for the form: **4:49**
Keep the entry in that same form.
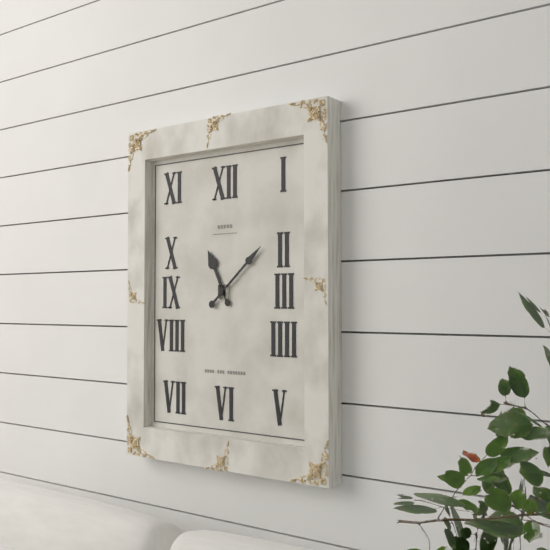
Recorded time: **11:08**
